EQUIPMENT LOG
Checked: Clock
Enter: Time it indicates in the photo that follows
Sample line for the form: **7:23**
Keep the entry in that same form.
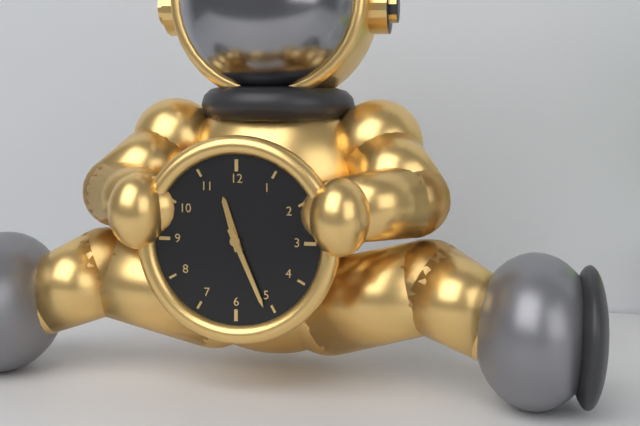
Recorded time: **11:26**
